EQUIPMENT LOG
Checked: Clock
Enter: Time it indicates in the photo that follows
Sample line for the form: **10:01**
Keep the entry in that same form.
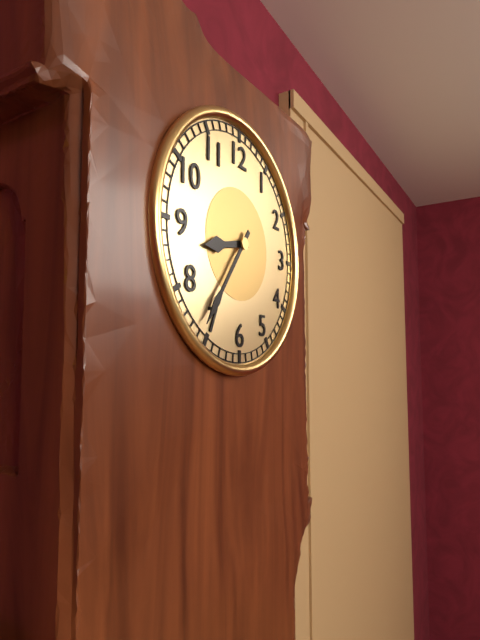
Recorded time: **8:36**
